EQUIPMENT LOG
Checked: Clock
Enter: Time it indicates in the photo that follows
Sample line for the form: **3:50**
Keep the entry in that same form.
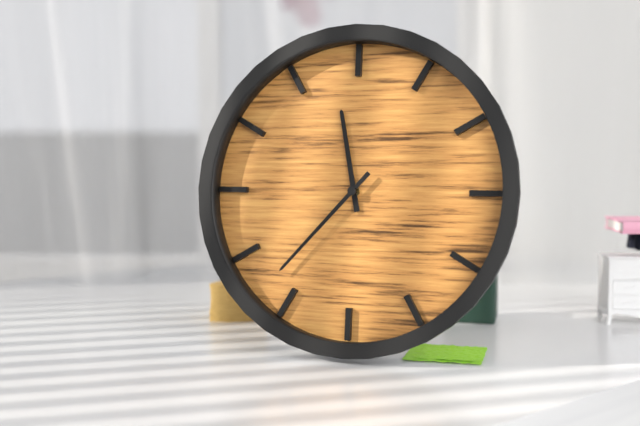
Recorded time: **11:37**
